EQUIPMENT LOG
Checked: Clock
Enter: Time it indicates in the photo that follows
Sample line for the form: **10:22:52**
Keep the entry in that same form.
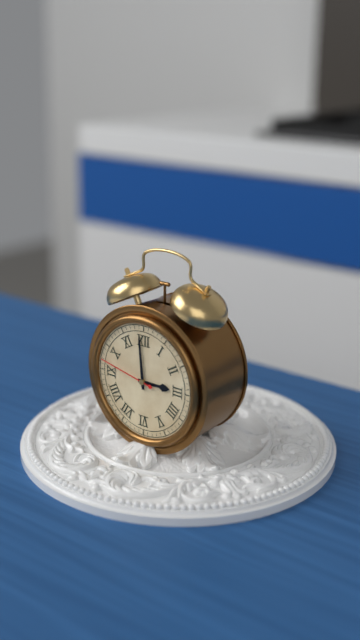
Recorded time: **2:59:47**
